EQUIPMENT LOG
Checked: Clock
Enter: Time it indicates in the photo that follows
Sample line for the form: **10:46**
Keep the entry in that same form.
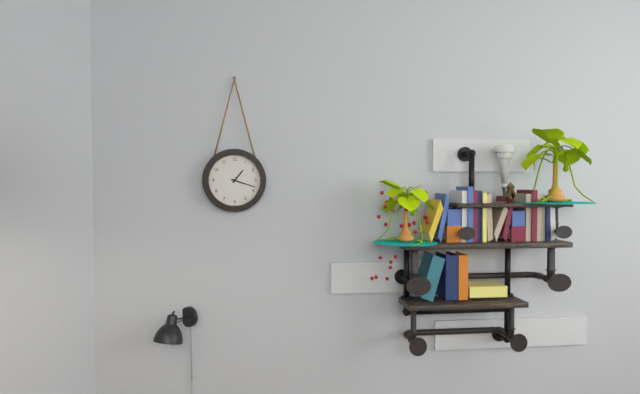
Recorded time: **1:18**
